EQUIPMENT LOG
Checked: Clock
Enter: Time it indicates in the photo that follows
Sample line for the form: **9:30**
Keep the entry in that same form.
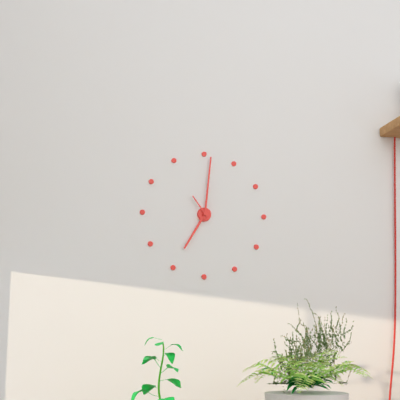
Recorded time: **7:01**
